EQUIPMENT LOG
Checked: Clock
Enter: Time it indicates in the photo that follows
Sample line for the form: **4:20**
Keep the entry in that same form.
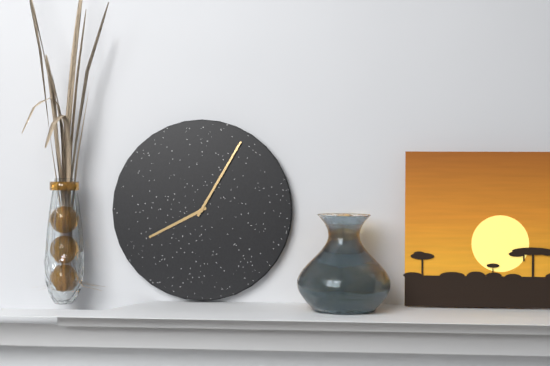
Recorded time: **8:05**
